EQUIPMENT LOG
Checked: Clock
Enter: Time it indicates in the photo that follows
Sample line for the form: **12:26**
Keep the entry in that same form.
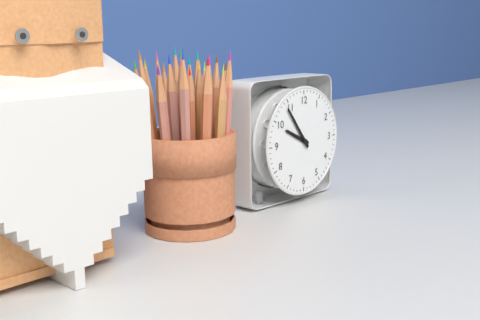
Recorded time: **9:54**
